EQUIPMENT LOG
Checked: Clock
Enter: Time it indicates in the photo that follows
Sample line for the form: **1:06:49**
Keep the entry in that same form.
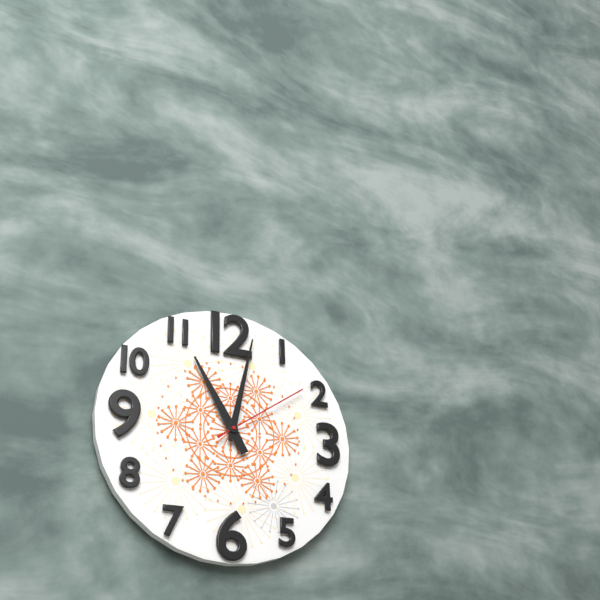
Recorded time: **11:02:09**
